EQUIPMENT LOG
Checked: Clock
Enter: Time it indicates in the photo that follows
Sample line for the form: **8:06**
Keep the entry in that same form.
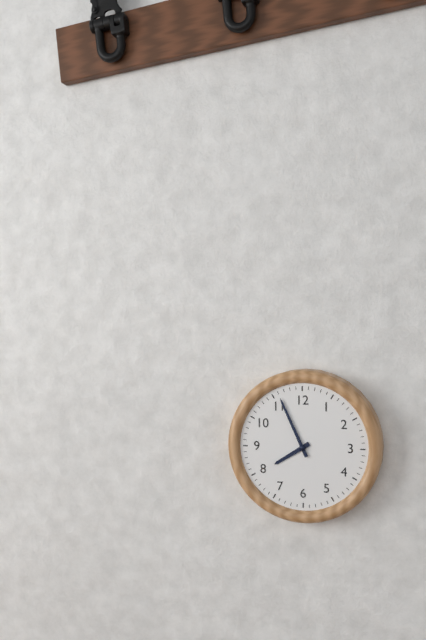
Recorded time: **7:56**
